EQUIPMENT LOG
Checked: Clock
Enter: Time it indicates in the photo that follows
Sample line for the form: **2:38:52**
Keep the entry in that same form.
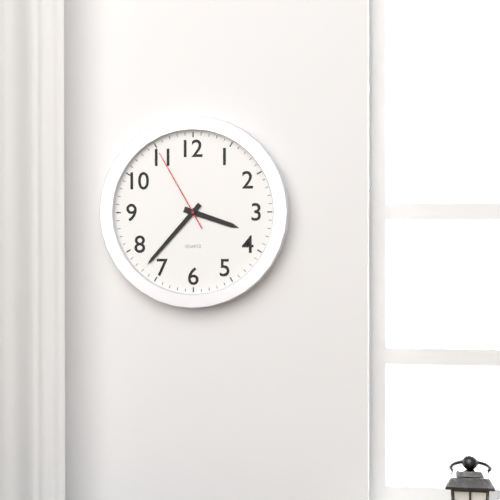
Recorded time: **3:37:55**
